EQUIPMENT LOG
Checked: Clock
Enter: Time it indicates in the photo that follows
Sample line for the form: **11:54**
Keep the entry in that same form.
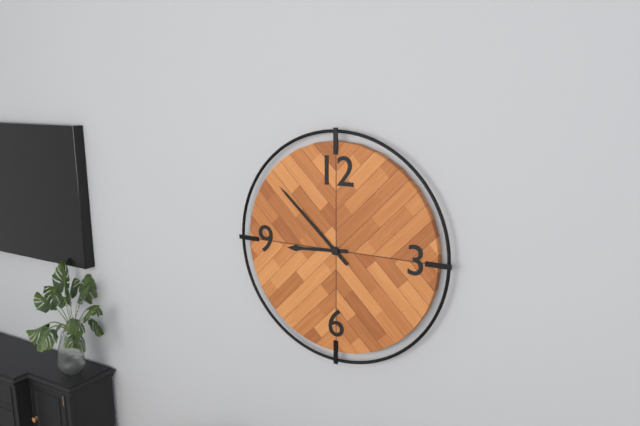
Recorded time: **8:52**
